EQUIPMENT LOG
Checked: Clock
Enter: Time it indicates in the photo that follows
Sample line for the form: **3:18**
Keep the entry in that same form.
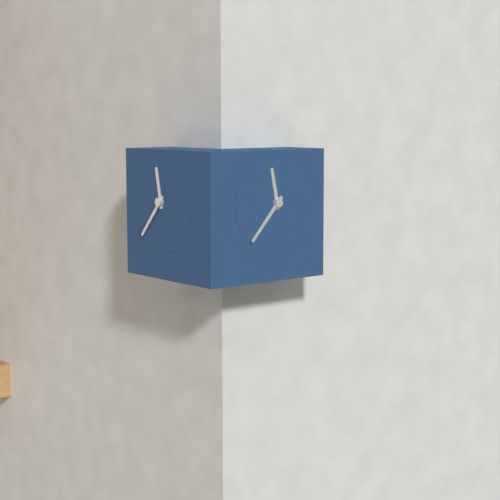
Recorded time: **11:37**
